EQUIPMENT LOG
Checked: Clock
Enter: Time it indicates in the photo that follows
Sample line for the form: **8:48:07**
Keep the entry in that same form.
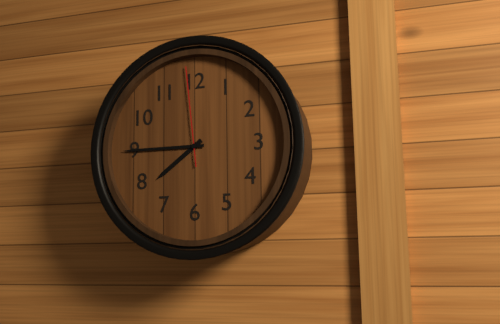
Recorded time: **7:45:59**
